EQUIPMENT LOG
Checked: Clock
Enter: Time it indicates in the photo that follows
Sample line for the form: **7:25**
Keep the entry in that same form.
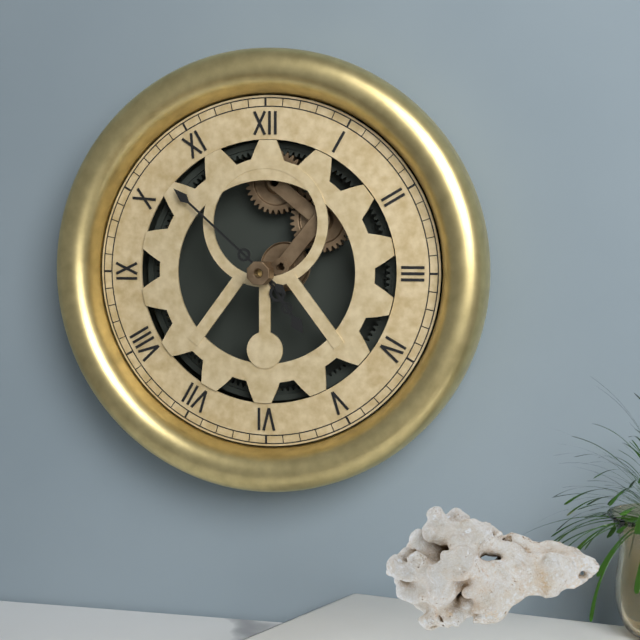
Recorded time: **4:52**
